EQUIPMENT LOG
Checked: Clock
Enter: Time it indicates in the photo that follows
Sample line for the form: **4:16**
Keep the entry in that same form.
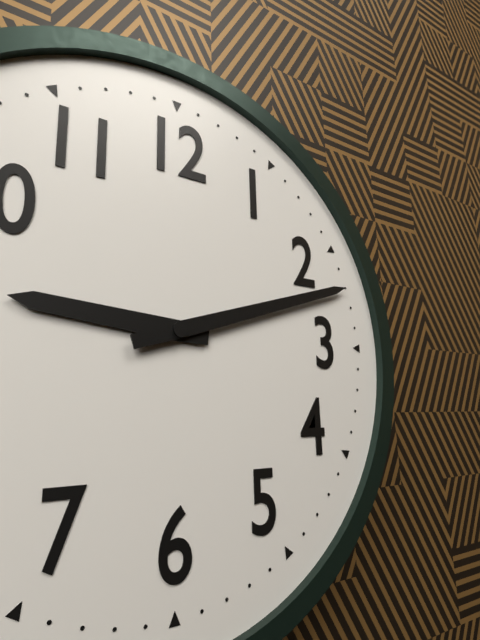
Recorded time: **9:12**
